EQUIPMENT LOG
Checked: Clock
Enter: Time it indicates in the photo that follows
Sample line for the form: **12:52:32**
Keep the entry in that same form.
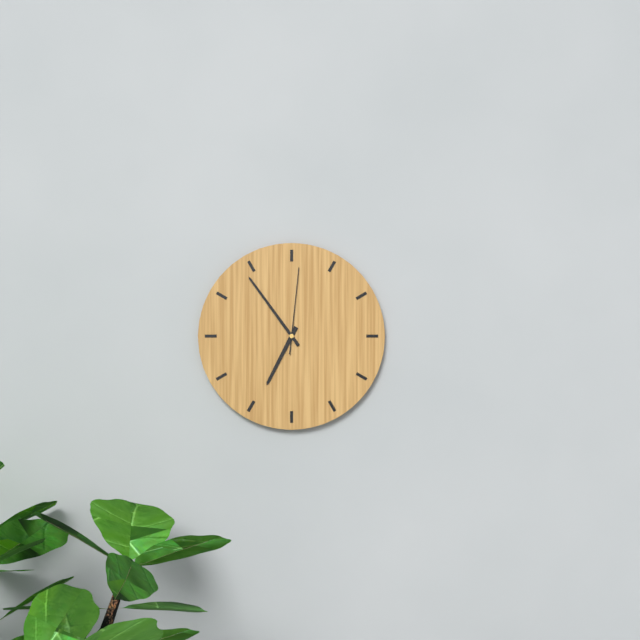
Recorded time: **6:54:01**
